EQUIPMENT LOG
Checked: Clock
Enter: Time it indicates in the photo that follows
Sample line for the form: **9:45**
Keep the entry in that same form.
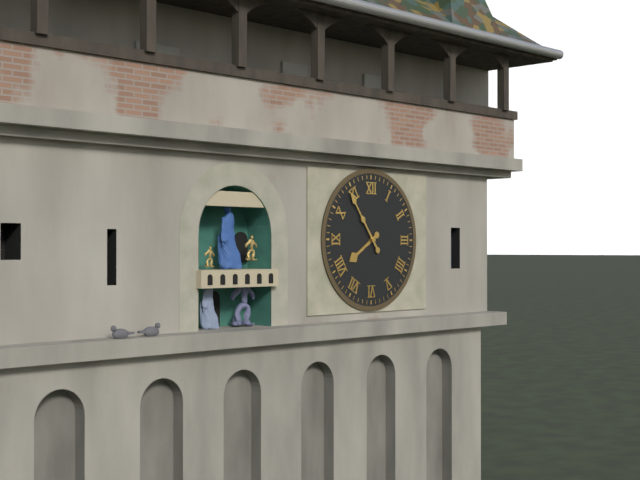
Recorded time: **7:54**
